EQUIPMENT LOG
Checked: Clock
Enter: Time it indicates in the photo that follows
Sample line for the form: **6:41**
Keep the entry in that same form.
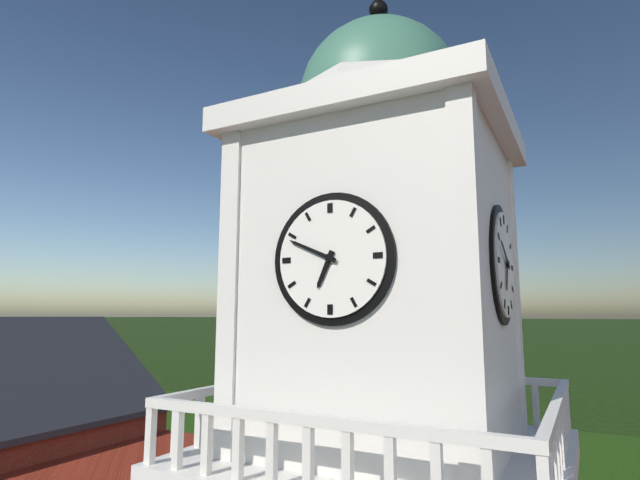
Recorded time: **6:49**
